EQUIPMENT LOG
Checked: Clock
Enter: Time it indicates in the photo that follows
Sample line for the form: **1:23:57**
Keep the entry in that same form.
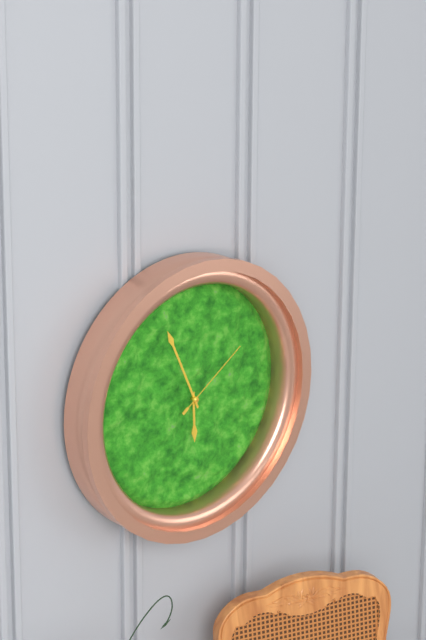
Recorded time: **5:56:09**
